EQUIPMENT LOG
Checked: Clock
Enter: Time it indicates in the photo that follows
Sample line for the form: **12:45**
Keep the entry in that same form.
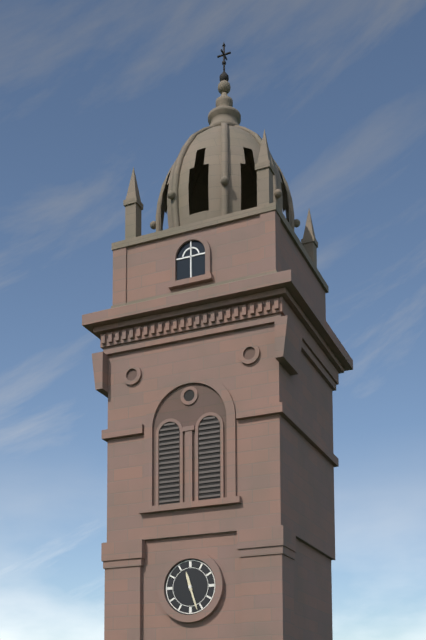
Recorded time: **11:27**
